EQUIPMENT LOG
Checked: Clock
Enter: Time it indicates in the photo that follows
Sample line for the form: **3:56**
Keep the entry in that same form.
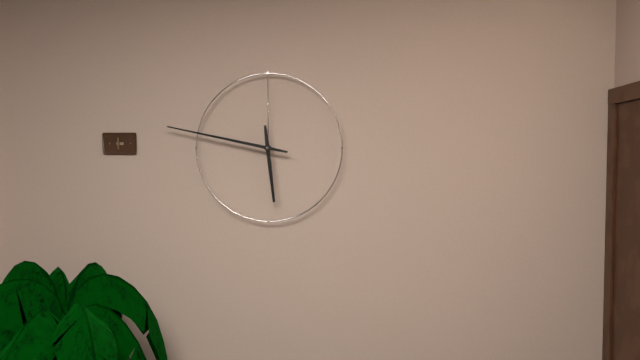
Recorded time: **5:47**
